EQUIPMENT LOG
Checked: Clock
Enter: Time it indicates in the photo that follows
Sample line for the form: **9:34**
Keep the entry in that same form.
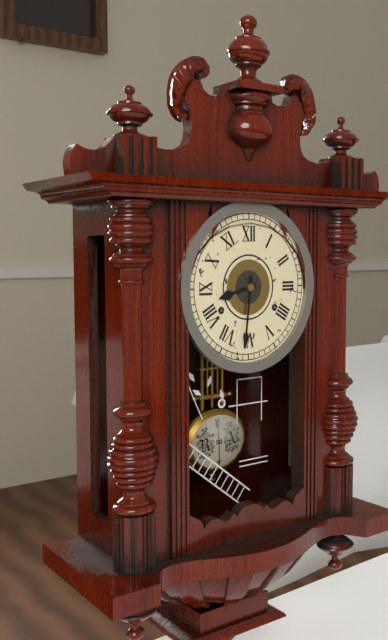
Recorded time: **8:31**
